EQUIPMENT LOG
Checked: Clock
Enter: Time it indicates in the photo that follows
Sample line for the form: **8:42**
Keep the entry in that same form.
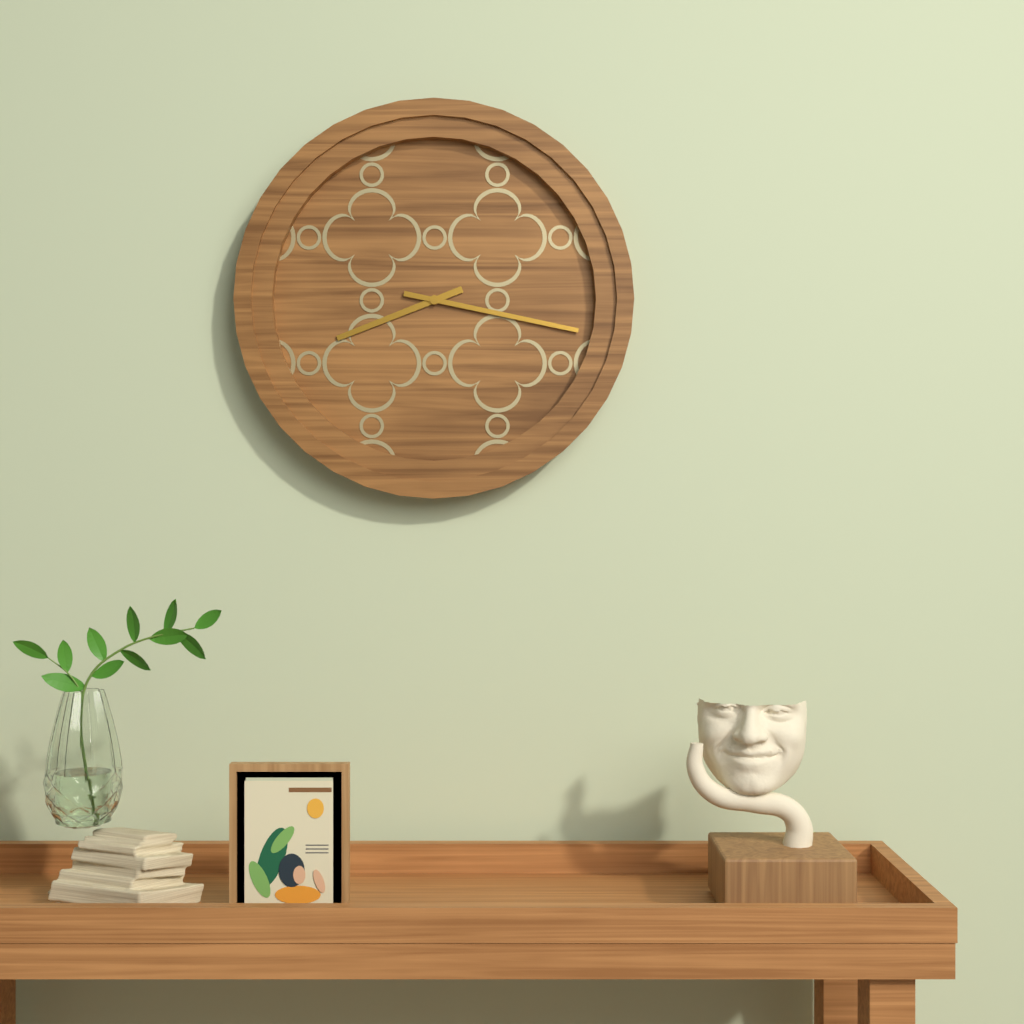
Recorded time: **8:17**
